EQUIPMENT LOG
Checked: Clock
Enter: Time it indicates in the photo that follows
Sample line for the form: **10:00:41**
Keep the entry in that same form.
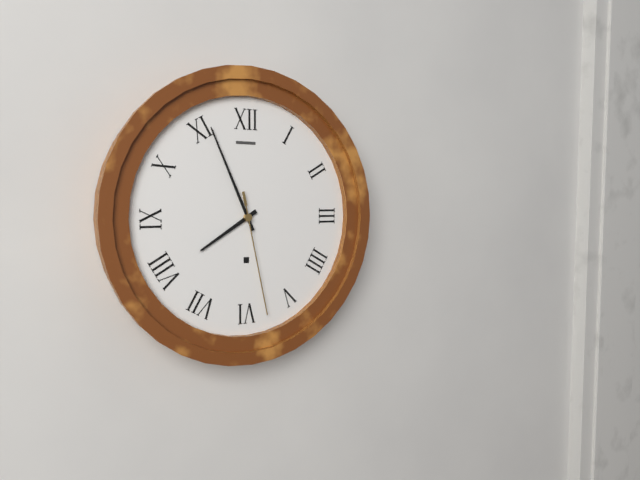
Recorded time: **7:56:28**
